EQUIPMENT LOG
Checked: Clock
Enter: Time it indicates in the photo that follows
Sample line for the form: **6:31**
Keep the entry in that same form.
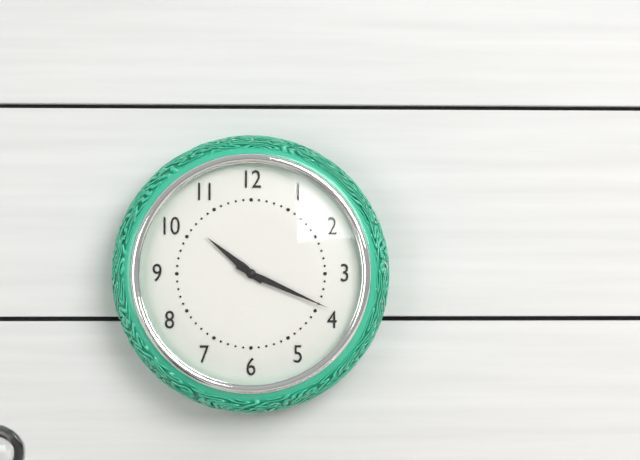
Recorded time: **10:19**
